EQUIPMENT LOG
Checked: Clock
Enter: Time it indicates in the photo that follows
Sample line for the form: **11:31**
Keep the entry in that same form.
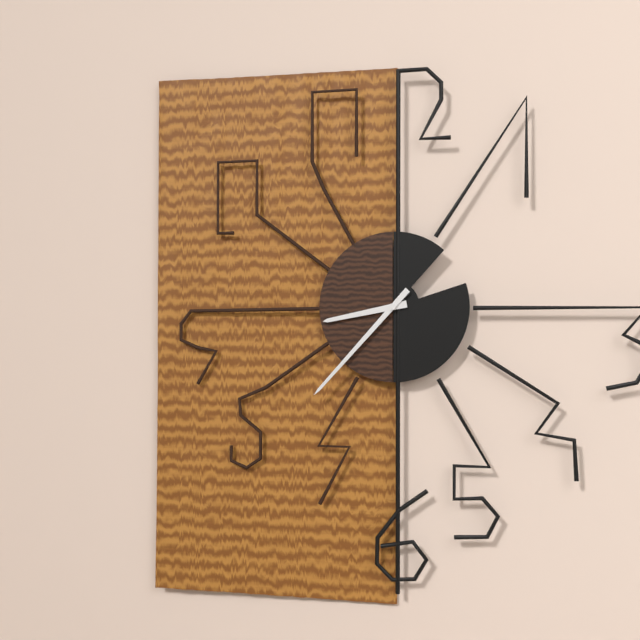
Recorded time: **8:37**
